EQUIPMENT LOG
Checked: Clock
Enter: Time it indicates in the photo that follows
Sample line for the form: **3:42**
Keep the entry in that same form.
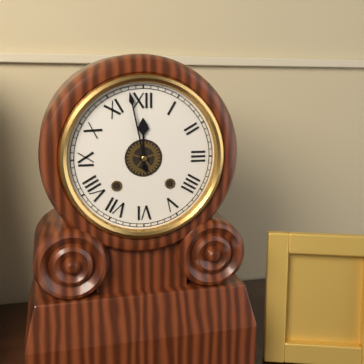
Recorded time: **11:58**
